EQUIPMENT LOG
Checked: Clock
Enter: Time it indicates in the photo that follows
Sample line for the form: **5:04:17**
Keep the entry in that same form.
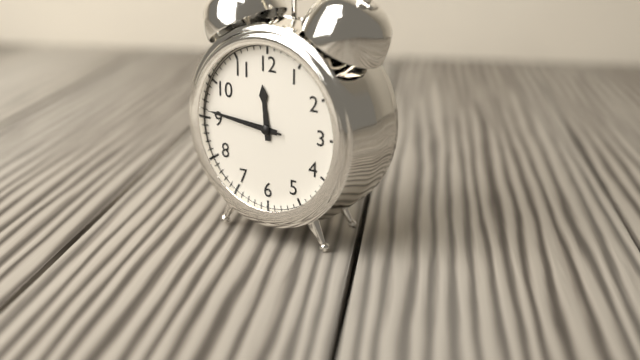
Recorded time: **11:46:46**
